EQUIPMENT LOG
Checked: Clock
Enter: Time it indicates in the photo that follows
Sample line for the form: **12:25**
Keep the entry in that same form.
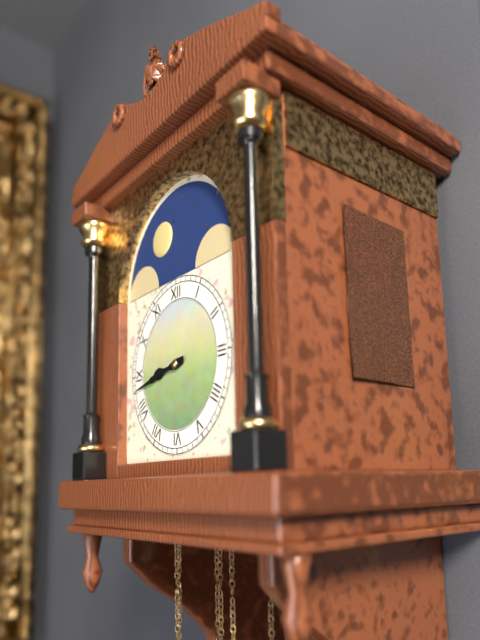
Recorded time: **8:43**
